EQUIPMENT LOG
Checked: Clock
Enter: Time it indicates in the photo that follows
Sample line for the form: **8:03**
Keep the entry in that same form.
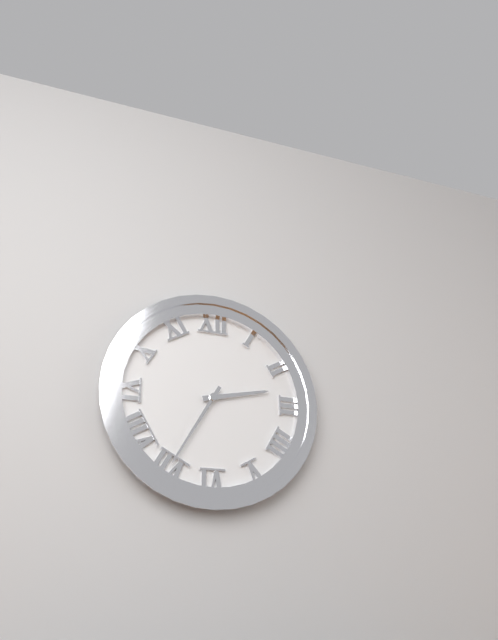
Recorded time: **2:35**
